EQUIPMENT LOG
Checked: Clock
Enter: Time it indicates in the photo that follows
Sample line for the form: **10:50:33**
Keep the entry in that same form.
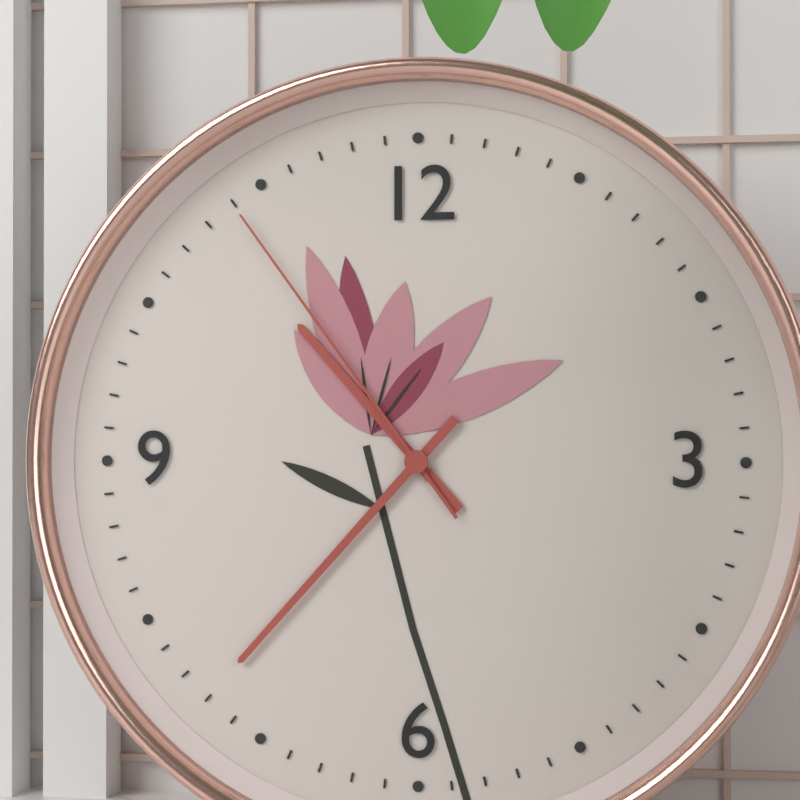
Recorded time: **10:37:54**
